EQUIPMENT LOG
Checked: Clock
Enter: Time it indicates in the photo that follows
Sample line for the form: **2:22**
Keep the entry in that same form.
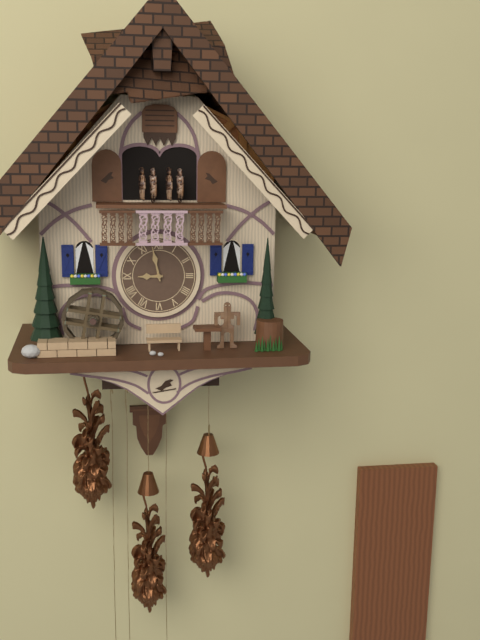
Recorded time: **8:58**
